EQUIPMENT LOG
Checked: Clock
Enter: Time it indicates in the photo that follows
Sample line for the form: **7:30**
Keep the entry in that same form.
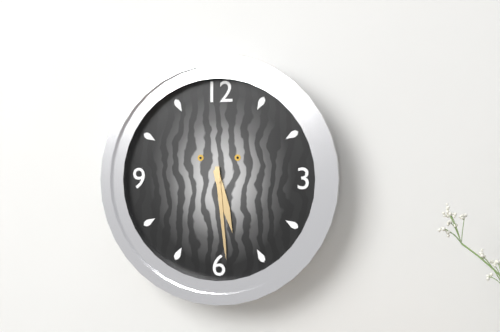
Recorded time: **5:29**
